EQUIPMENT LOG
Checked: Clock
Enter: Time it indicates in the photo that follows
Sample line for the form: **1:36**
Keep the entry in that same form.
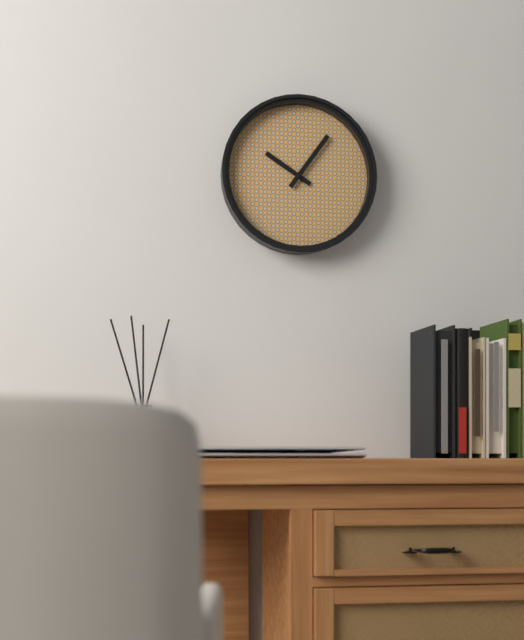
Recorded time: **10:06**
